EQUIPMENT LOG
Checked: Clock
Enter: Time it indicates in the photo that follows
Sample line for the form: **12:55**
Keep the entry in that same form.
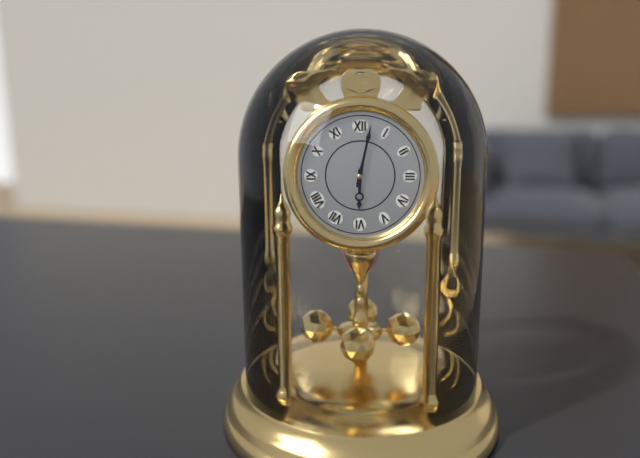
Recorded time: **6:02**
